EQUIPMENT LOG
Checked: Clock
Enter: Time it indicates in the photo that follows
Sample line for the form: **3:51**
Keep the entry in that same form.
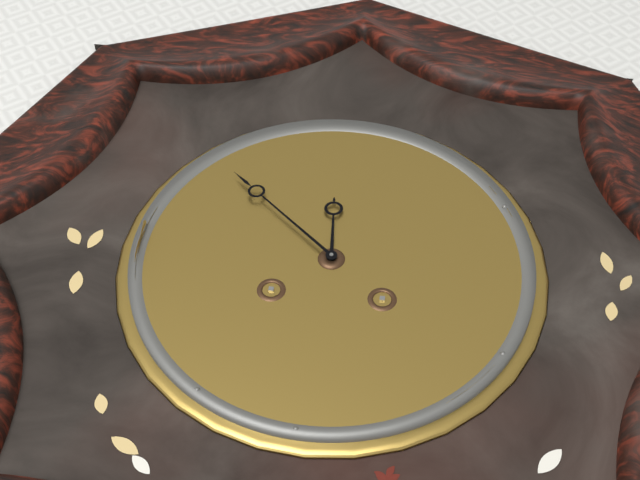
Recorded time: **11:52**
